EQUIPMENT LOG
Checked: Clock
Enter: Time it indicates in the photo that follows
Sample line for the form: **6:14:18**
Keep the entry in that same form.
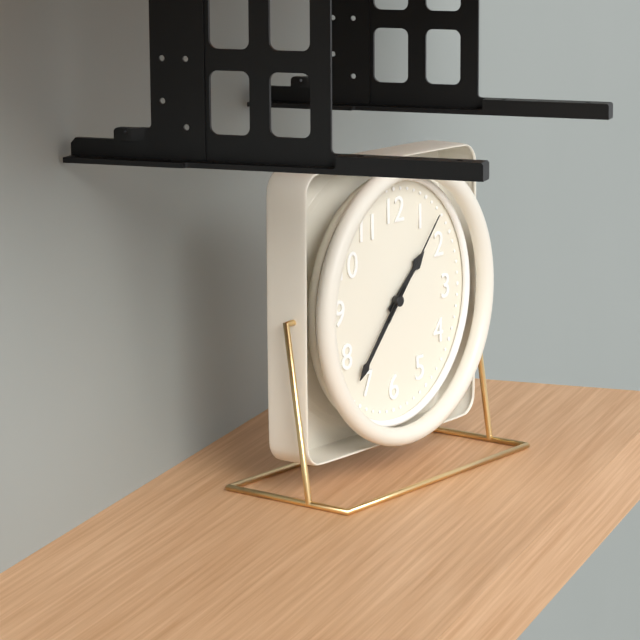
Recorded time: **1:37:07**
